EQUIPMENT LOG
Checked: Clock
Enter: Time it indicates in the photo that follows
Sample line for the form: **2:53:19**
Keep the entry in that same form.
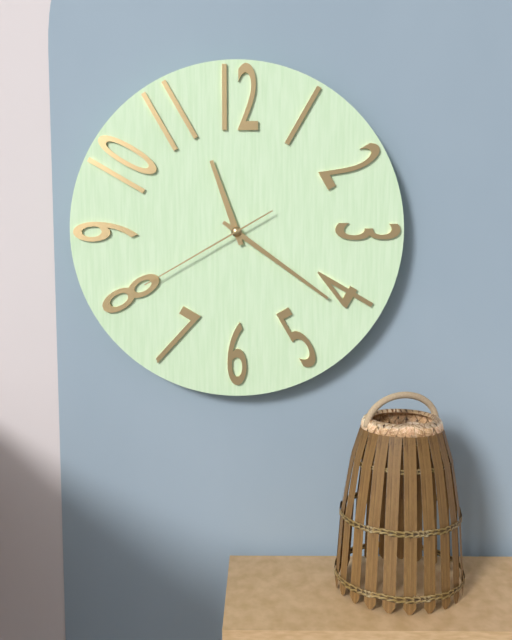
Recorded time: **11:21:40**
